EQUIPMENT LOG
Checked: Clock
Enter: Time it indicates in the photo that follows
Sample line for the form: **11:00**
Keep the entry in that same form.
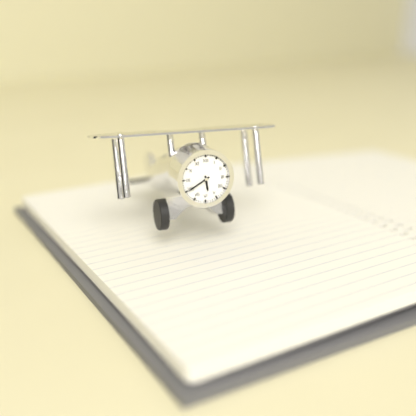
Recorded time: **5:40**
